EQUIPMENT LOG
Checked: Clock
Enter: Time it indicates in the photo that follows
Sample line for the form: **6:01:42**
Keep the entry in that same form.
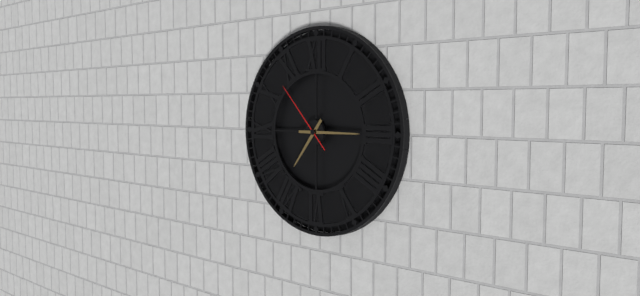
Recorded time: **7:15:53**
